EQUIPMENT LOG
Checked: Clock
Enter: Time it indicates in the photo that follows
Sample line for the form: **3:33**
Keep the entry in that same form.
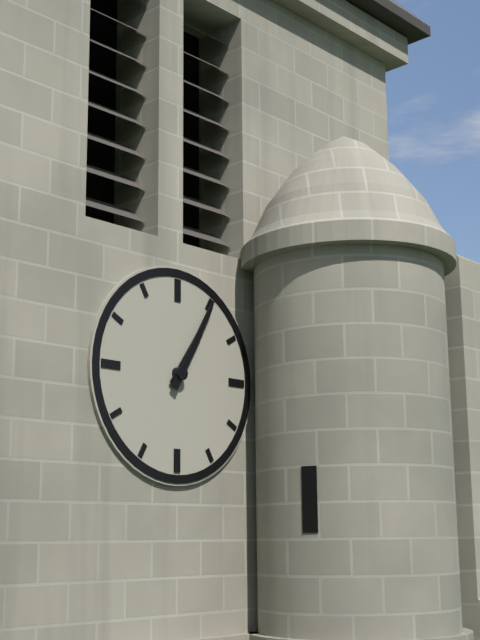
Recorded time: **1:05**
